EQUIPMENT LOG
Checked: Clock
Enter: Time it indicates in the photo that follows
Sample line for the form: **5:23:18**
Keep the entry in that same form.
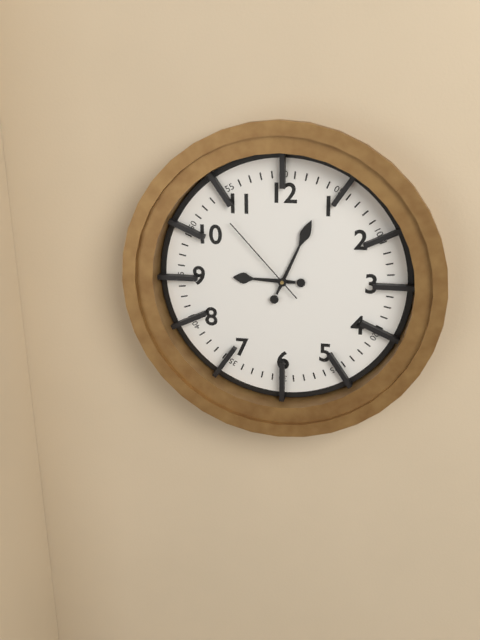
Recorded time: **9:04:53**
